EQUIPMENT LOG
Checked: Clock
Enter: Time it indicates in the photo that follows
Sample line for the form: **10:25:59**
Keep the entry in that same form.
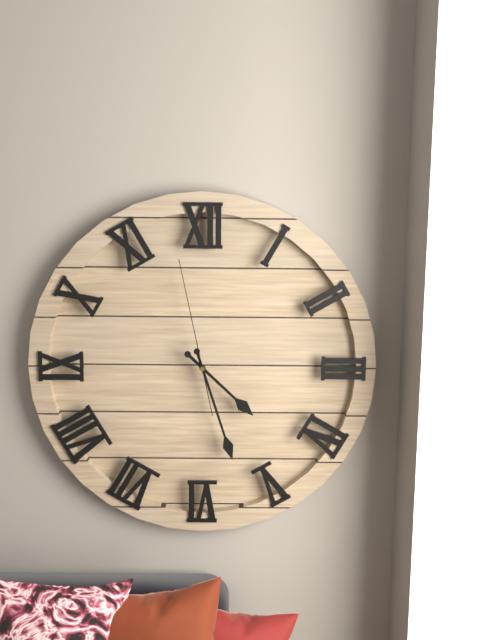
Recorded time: **4:27:58**
